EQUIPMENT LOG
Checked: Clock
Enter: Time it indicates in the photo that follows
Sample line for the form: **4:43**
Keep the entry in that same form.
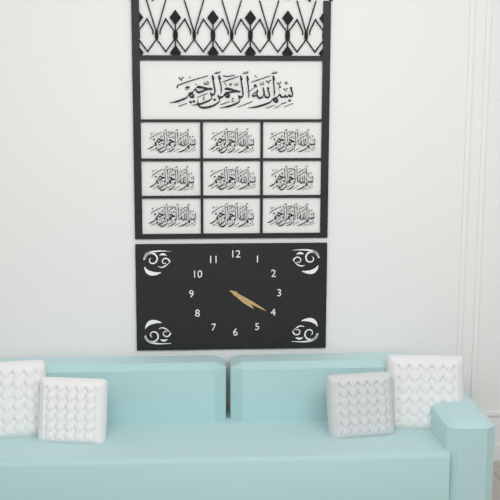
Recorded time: **4:20**
